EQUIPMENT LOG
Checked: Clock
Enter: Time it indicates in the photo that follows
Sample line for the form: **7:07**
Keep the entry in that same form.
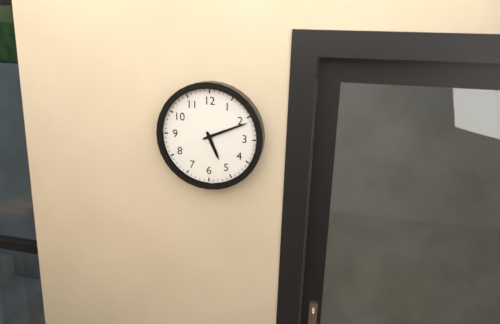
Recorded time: **5:11**
